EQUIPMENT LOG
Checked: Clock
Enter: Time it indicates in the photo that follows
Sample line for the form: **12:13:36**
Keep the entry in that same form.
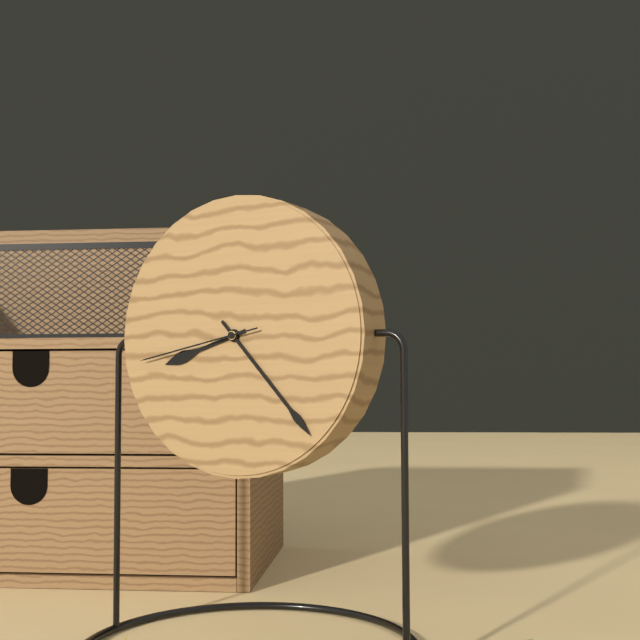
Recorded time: **8:23:43**
